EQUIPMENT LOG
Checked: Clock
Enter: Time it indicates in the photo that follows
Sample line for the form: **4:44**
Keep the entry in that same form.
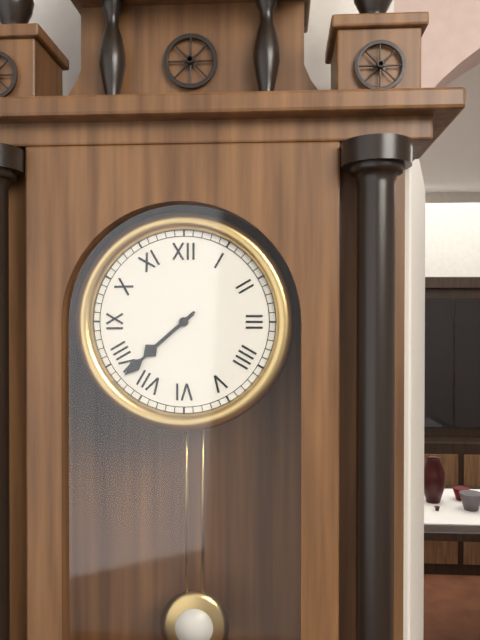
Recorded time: **7:38**
